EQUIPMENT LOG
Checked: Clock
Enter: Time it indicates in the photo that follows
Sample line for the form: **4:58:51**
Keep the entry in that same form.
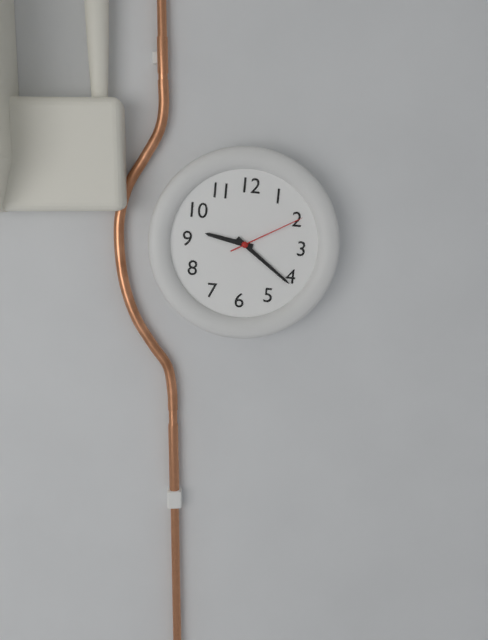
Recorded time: **9:21:10**
